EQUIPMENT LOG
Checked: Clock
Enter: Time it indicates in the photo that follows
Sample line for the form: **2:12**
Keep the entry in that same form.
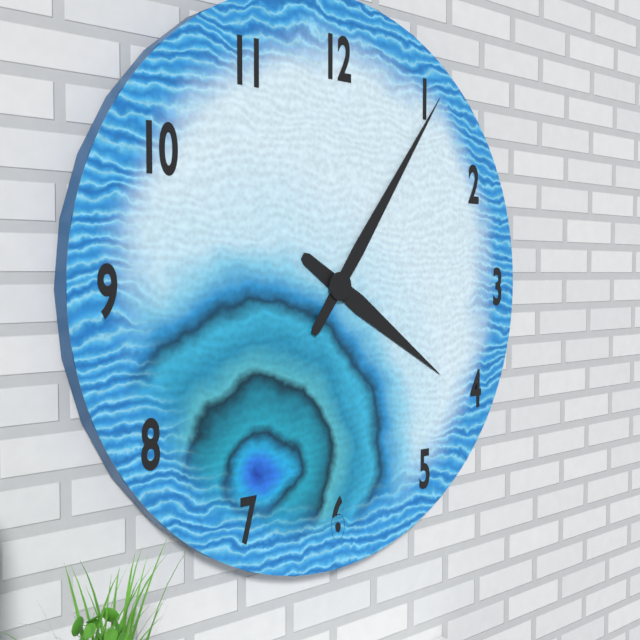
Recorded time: **4:06**
